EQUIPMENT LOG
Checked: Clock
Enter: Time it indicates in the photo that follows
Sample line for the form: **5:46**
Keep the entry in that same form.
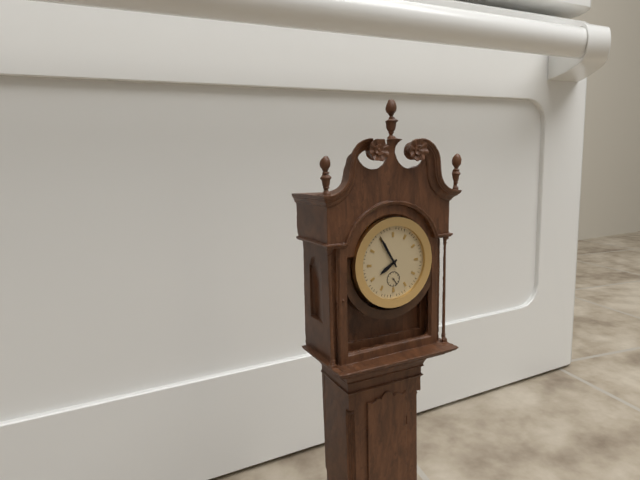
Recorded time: **7:55**
